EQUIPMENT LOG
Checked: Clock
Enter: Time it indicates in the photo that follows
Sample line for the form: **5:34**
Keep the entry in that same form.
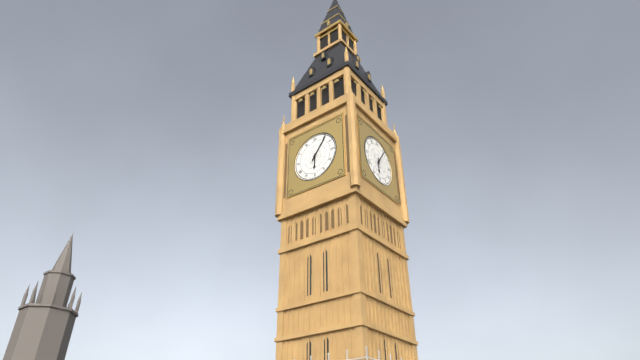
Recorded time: **6:06**
